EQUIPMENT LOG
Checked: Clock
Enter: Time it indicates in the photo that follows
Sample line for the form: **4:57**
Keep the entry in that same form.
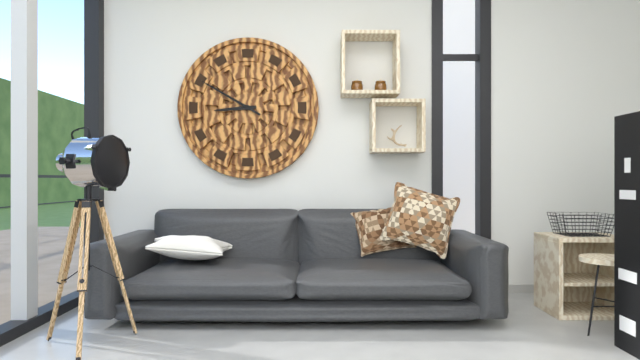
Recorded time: **8:50**
